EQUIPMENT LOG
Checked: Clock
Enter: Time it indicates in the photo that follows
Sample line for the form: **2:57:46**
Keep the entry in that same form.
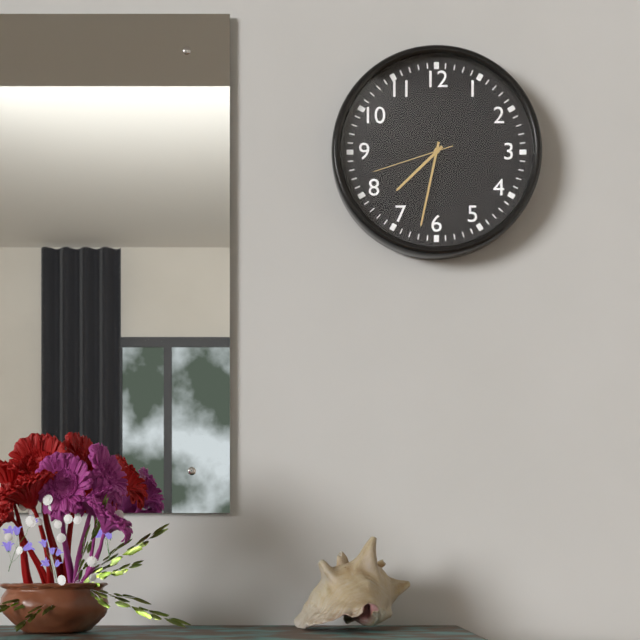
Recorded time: **7:32:42**
